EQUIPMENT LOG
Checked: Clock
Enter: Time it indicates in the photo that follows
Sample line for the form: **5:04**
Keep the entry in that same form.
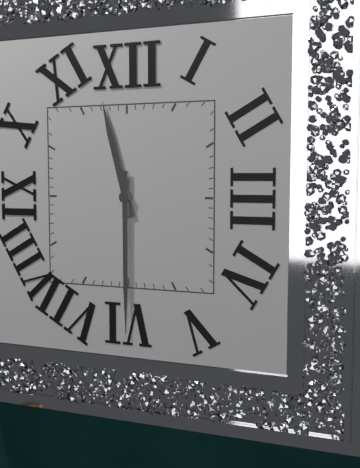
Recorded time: **11:30**
